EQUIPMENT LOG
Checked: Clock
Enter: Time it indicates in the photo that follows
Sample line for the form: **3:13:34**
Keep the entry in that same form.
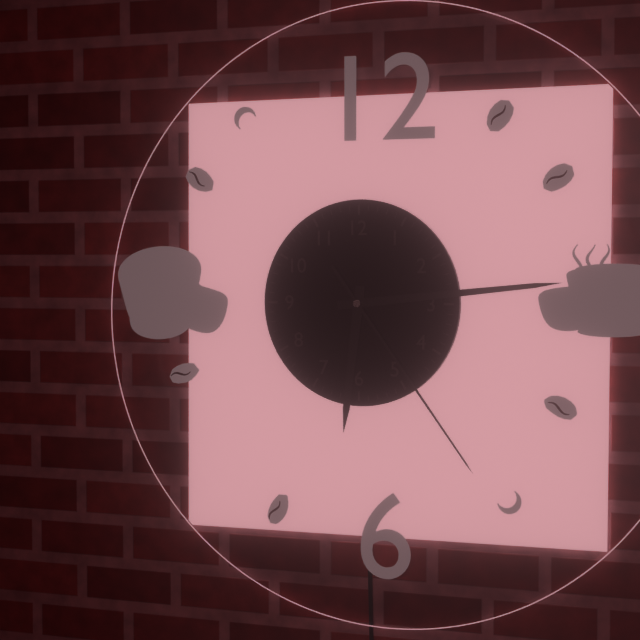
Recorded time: **6:14:24**
